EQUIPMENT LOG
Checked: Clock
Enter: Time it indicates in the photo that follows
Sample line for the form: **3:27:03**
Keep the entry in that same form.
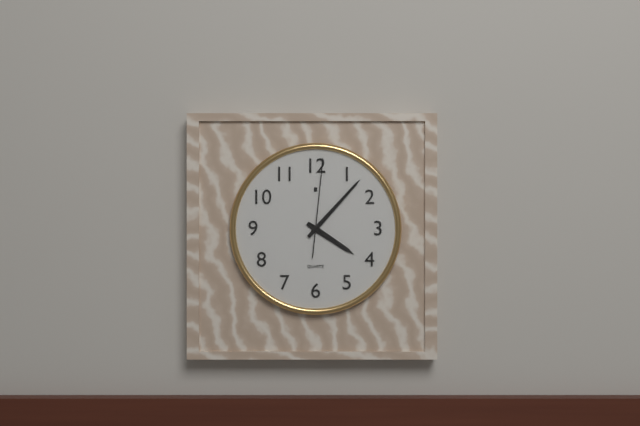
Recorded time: **4:07:01**
